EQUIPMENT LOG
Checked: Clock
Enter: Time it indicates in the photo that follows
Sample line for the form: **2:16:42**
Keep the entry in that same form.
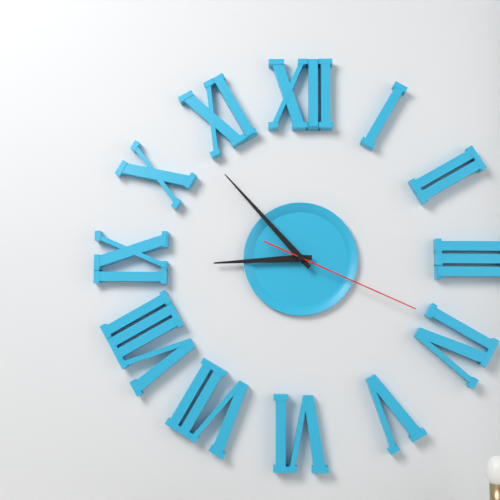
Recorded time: **8:53:19**
